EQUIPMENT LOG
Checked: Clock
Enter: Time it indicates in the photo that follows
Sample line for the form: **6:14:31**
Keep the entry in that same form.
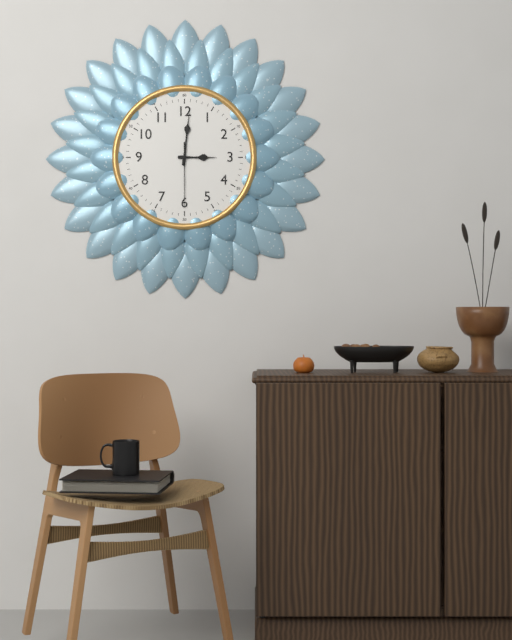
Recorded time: **3:01:30**
